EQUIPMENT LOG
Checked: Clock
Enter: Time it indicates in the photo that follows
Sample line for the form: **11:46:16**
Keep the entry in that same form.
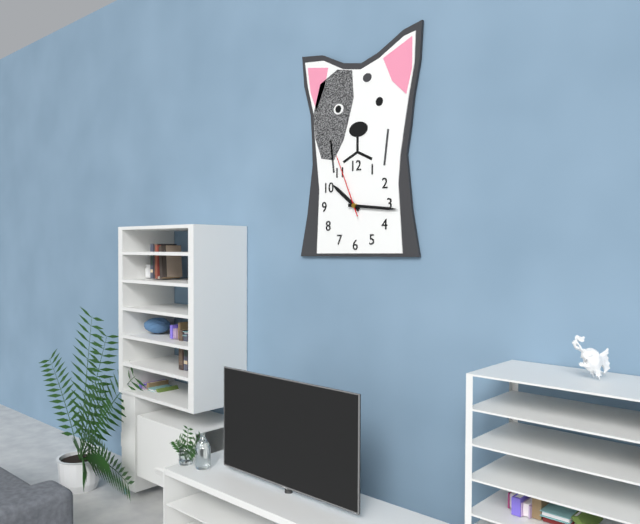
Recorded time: **10:16:56**
